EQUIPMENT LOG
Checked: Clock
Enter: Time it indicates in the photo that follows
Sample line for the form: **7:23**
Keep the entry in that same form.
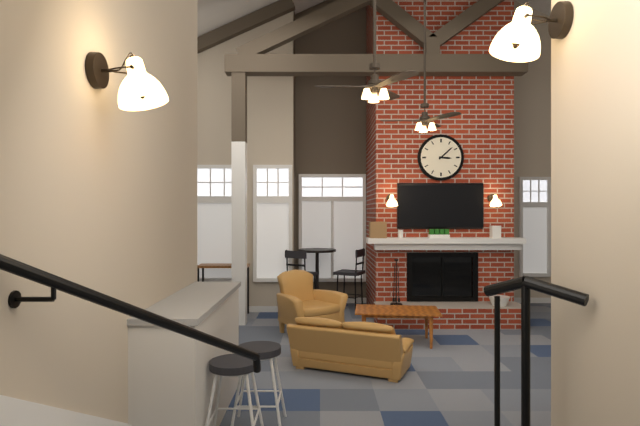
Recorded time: **3:08**
